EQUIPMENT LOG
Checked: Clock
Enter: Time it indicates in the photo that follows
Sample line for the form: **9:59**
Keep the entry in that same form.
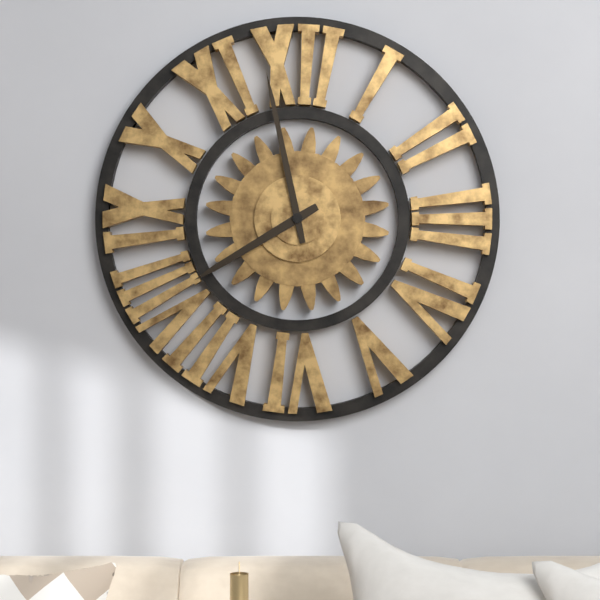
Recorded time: **7:58**
